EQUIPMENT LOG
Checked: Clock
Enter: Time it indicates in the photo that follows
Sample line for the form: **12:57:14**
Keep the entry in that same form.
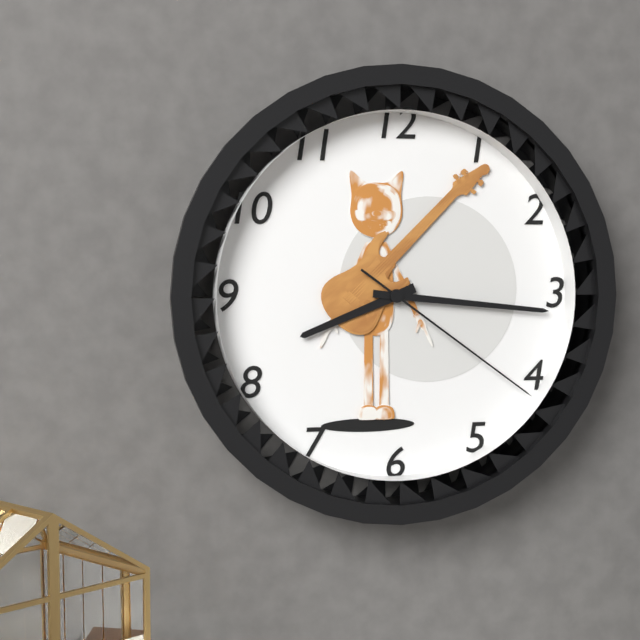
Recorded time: **8:16:21**
